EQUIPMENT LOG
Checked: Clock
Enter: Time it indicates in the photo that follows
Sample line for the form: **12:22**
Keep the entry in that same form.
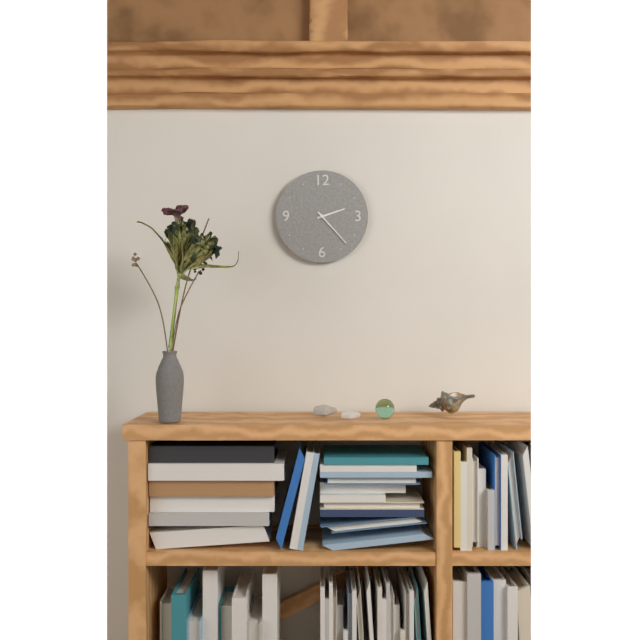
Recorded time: **2:23**
